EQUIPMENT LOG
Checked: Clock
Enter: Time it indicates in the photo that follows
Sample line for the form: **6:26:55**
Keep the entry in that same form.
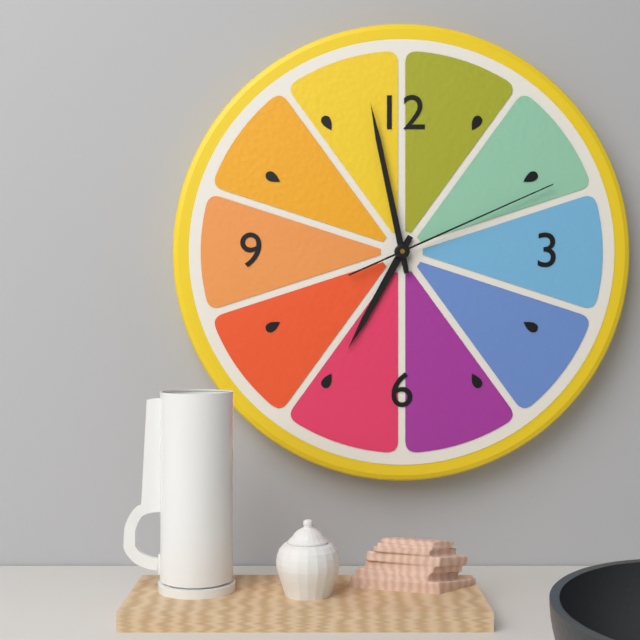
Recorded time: **6:58:11**
